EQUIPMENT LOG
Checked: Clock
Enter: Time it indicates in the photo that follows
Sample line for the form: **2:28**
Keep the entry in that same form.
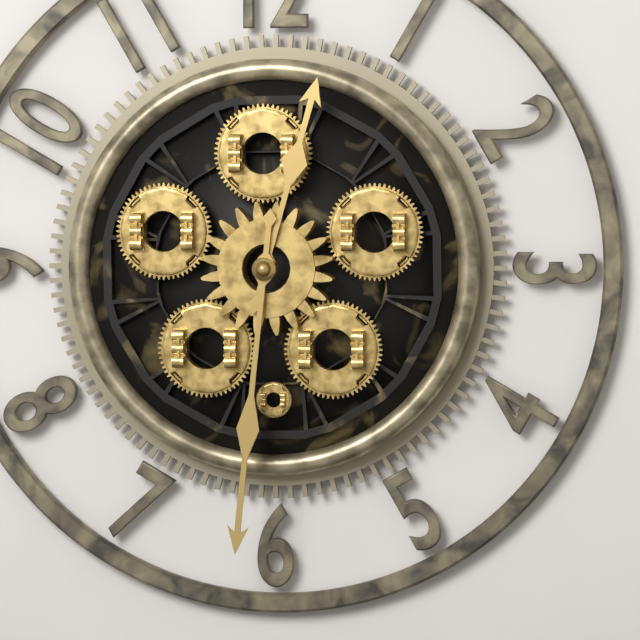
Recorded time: **12:31**
